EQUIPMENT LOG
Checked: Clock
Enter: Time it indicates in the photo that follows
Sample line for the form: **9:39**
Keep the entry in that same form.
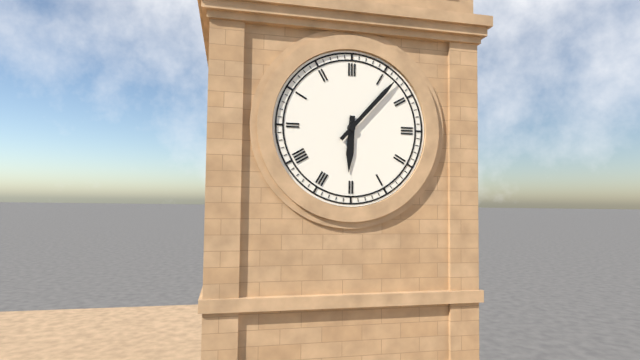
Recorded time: **6:07**
